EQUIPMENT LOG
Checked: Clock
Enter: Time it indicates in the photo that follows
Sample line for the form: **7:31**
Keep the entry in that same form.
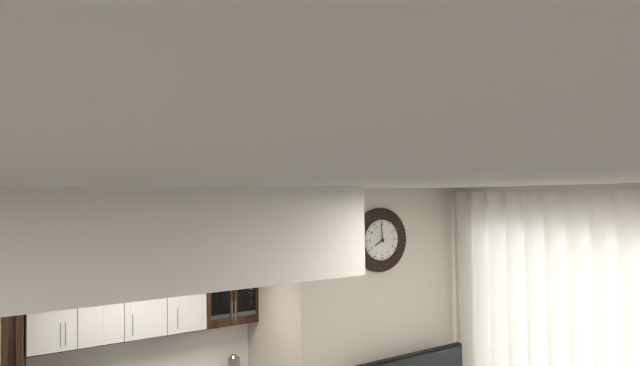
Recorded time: **7:59**
